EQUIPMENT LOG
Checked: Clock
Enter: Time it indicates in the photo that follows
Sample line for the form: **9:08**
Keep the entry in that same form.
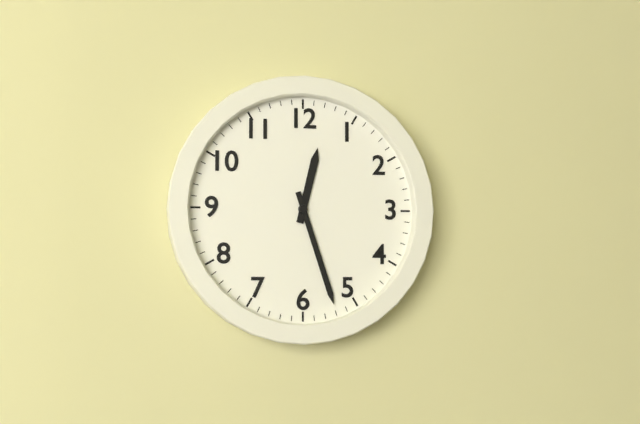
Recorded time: **12:27**
